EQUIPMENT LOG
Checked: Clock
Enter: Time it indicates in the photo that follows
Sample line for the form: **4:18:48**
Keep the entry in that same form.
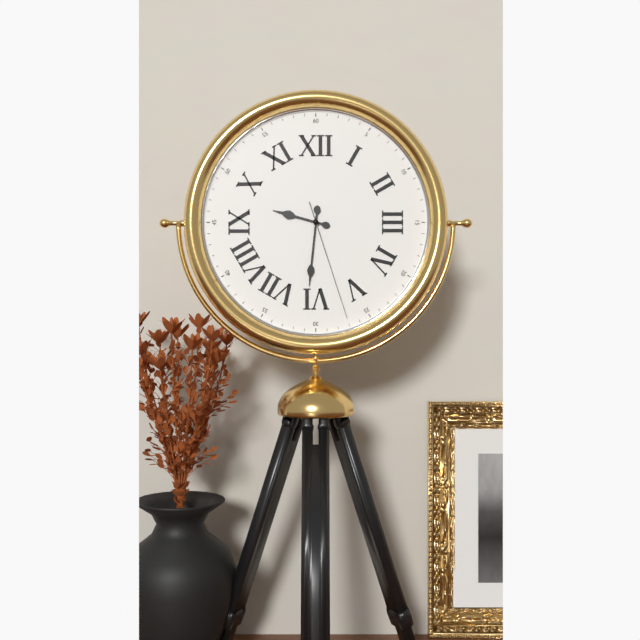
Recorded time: **9:31:27**
